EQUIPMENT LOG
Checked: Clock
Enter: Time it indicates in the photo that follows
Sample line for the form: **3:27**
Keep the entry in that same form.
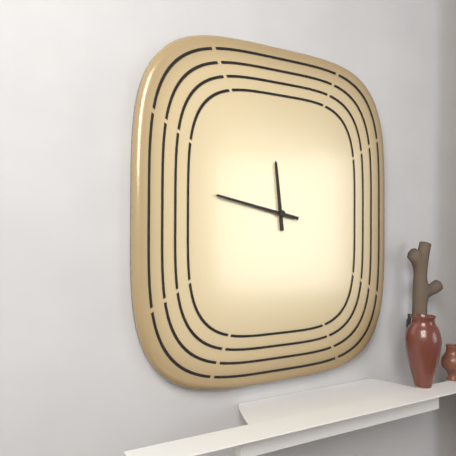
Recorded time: **11:47**
